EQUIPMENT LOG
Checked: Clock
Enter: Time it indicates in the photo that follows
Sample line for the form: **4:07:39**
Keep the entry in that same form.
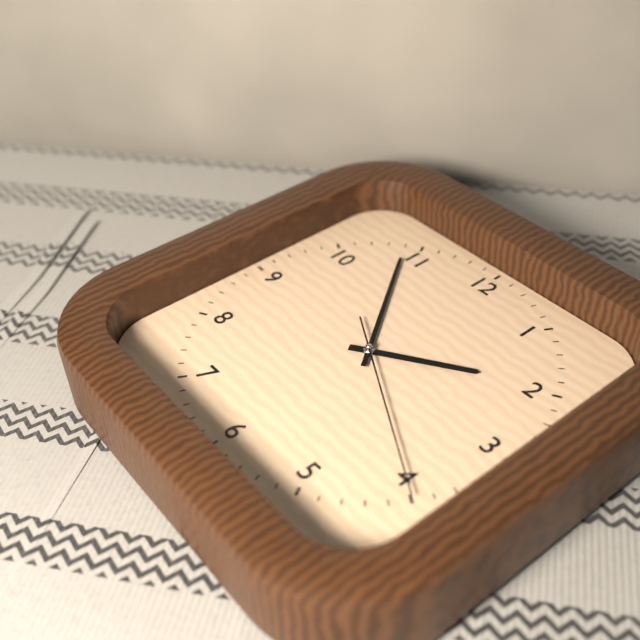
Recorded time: **1:54:20**
